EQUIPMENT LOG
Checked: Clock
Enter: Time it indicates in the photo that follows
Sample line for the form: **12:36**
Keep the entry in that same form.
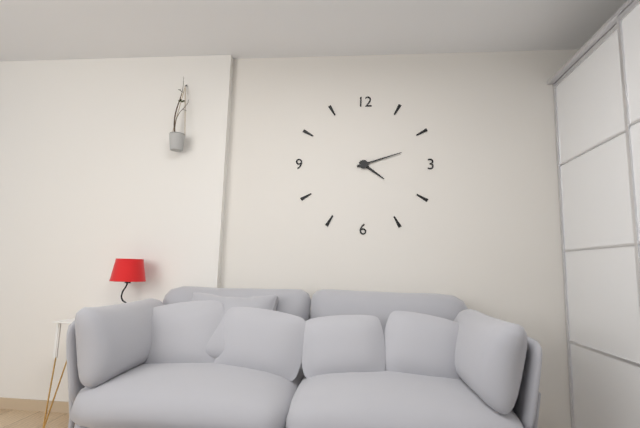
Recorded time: **4:12**
